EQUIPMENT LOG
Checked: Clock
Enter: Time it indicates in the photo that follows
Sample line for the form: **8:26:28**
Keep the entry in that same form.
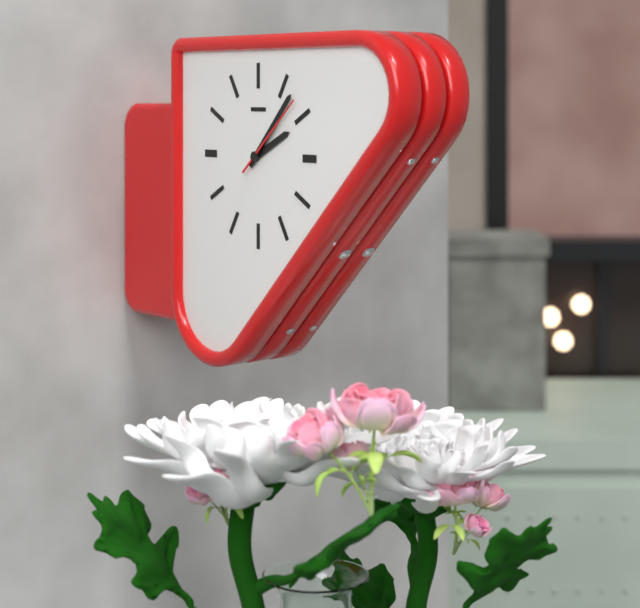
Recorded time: **2:07:08**
